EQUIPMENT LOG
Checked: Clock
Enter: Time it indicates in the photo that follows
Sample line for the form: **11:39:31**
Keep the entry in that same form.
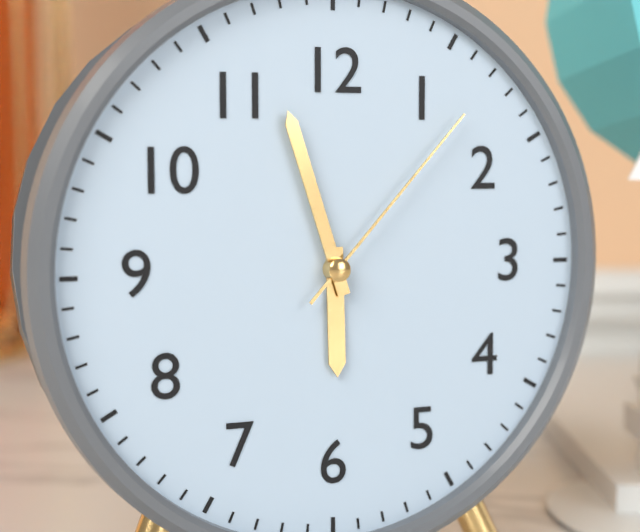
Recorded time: **5:57:07**
